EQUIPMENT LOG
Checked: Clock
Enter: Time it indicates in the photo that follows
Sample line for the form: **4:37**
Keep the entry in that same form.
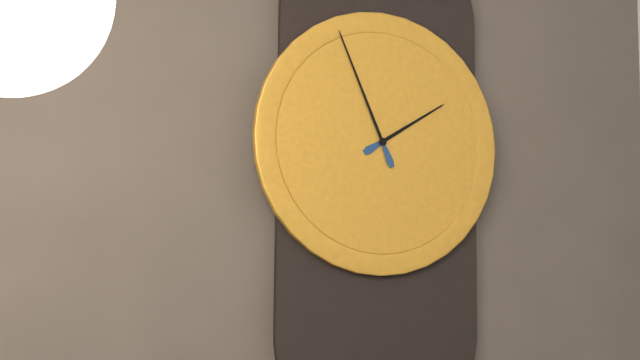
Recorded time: **1:56**
